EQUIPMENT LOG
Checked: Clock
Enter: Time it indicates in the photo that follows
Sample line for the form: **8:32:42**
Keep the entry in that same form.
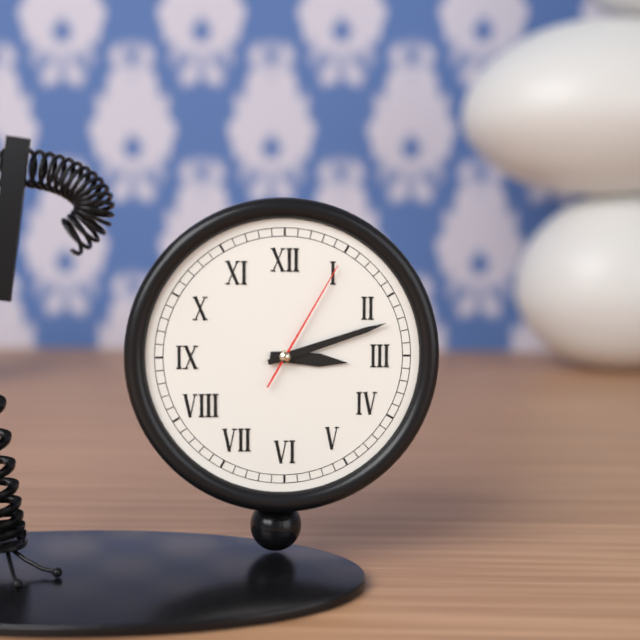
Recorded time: **3:12:05**
